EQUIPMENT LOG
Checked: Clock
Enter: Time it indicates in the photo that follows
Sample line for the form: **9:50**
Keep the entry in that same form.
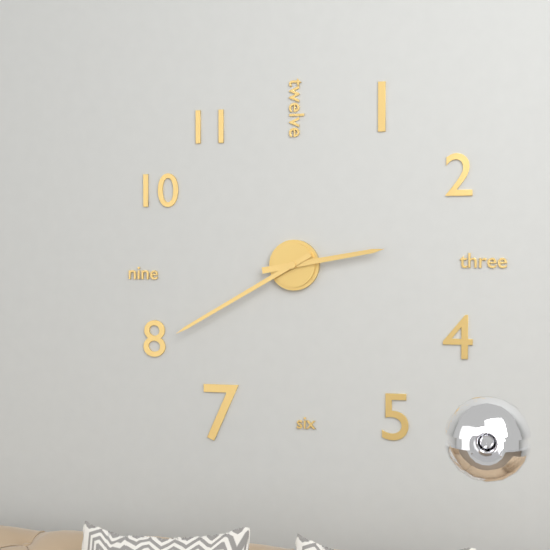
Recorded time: **2:40**
